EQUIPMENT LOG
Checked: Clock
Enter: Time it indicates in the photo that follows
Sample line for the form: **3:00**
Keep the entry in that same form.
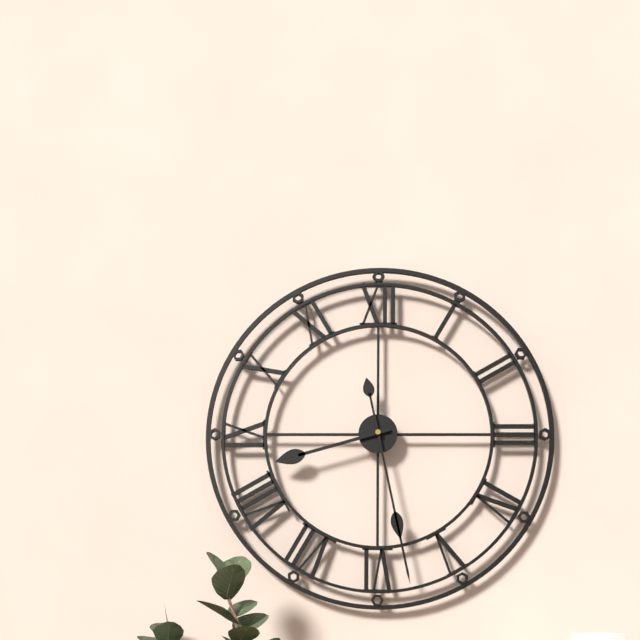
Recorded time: **8:28**
